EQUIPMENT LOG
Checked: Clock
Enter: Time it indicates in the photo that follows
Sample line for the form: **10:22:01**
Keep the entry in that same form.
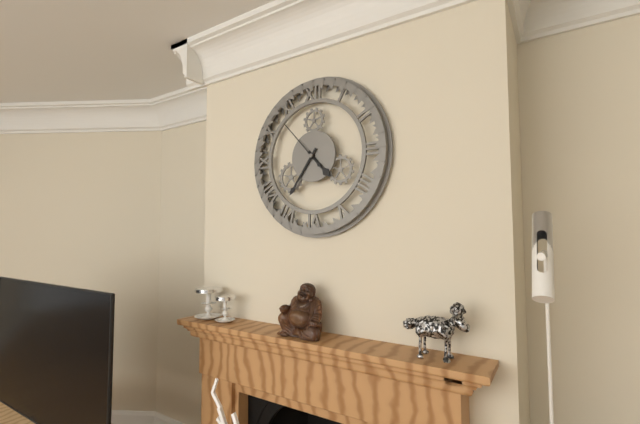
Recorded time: **4:36:53**
